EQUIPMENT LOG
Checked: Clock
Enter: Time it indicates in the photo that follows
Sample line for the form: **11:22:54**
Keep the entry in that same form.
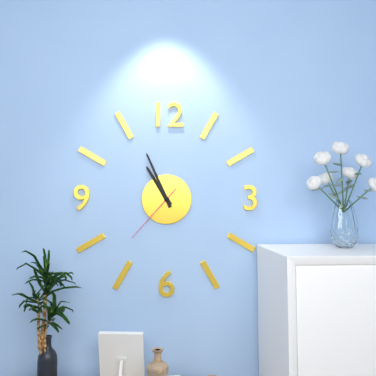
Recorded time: **10:56:37**
